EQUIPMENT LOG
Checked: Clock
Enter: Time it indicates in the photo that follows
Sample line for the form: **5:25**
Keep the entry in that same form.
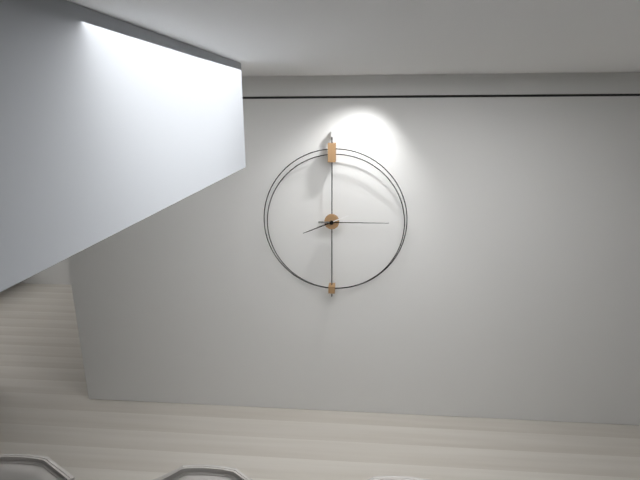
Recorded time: **8:15**
